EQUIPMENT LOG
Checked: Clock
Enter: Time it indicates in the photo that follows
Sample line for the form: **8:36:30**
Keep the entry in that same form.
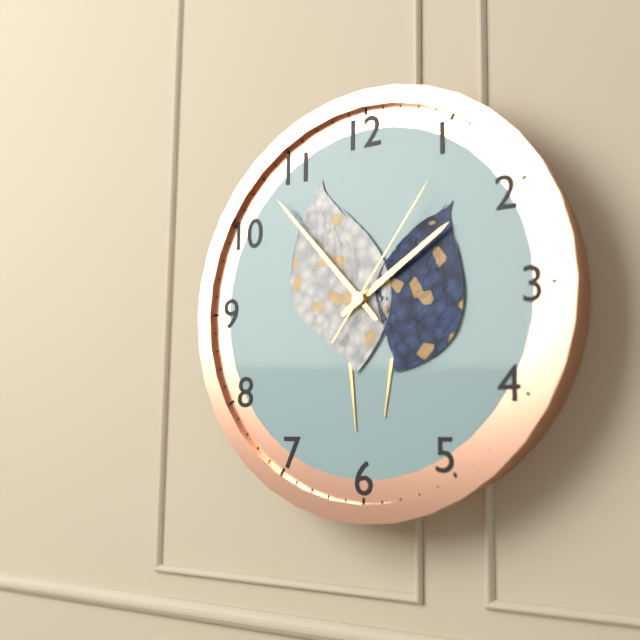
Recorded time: **1:53:06**
